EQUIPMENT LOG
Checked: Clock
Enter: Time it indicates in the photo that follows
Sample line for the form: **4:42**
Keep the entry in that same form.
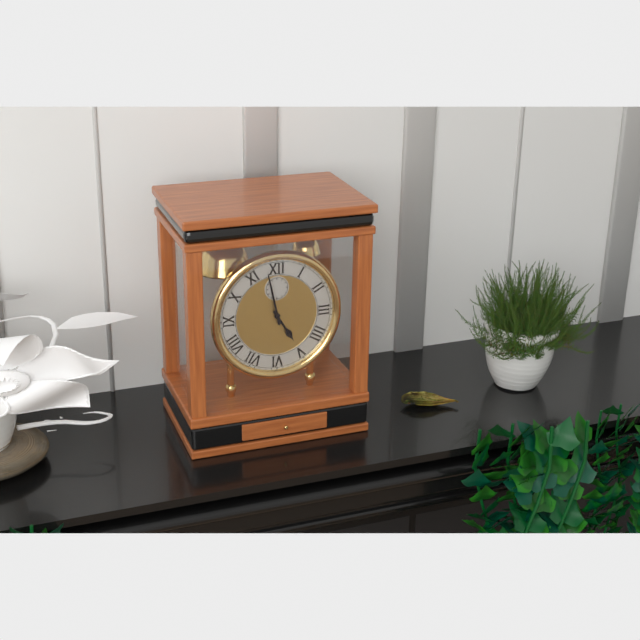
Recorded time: **4:58**
